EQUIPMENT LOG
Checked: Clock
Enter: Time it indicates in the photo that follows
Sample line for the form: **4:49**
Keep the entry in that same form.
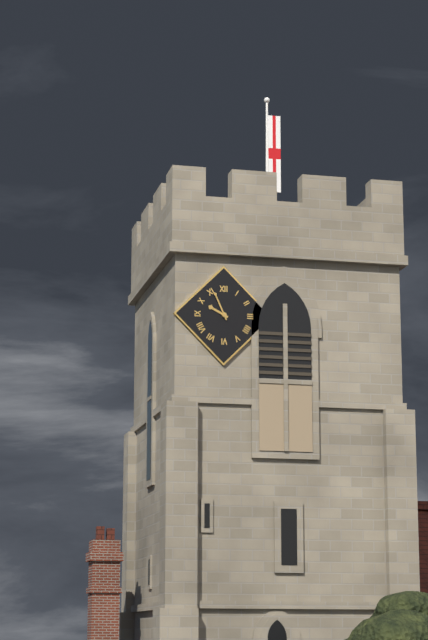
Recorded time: **9:56**
